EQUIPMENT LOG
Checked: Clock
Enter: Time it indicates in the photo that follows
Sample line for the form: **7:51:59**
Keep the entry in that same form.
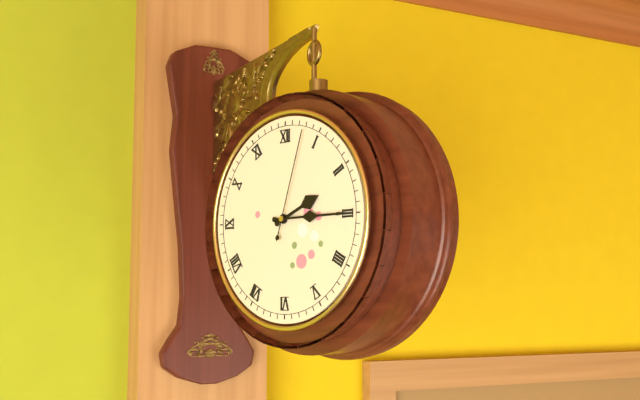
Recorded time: **2:15:03**
